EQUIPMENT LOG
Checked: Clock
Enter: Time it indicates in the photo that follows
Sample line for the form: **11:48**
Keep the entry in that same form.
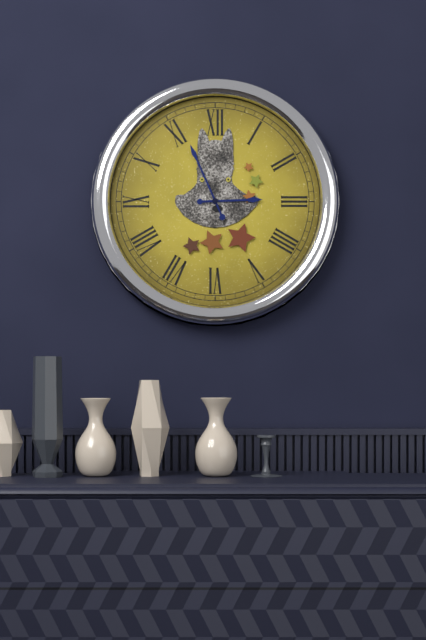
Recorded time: **2:56**
